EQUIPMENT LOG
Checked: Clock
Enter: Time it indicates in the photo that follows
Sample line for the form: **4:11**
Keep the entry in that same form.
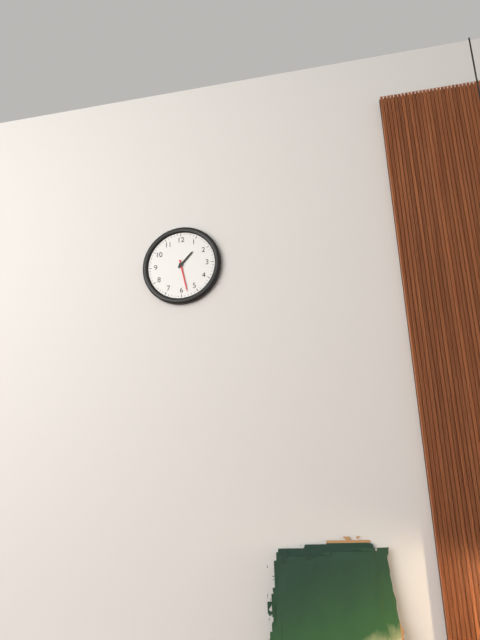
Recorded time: **1:28**
